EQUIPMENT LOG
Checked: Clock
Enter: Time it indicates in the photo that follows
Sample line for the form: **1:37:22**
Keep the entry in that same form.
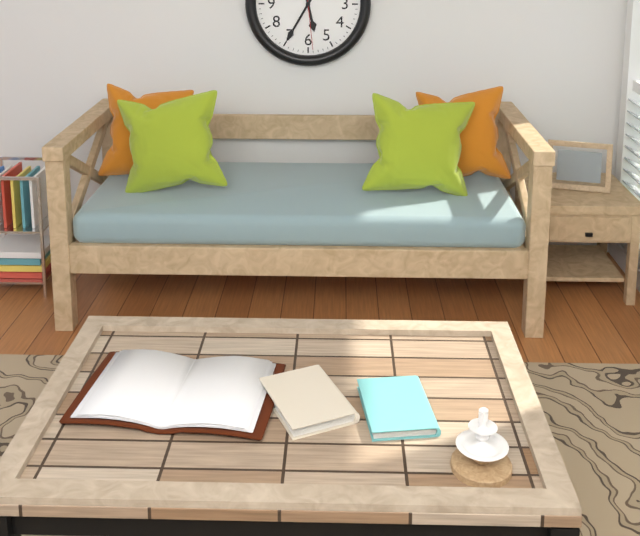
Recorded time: **5:35:29**
